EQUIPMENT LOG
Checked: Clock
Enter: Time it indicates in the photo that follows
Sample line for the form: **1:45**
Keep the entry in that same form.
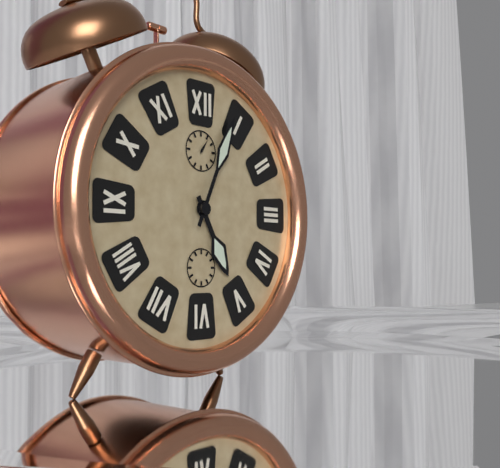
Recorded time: **5:04**
